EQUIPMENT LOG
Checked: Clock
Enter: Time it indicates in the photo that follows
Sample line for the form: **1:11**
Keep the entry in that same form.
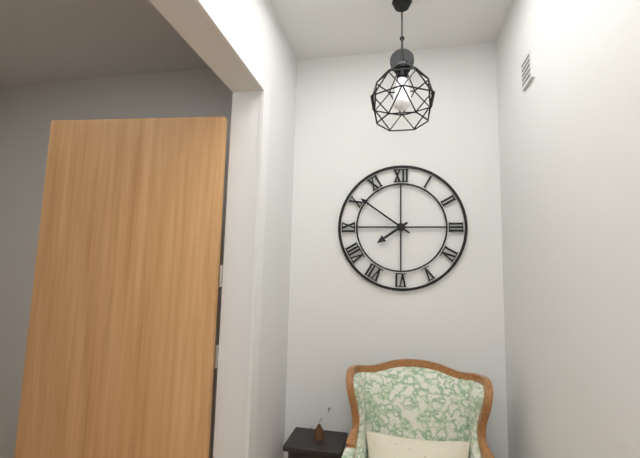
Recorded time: **7:51**
